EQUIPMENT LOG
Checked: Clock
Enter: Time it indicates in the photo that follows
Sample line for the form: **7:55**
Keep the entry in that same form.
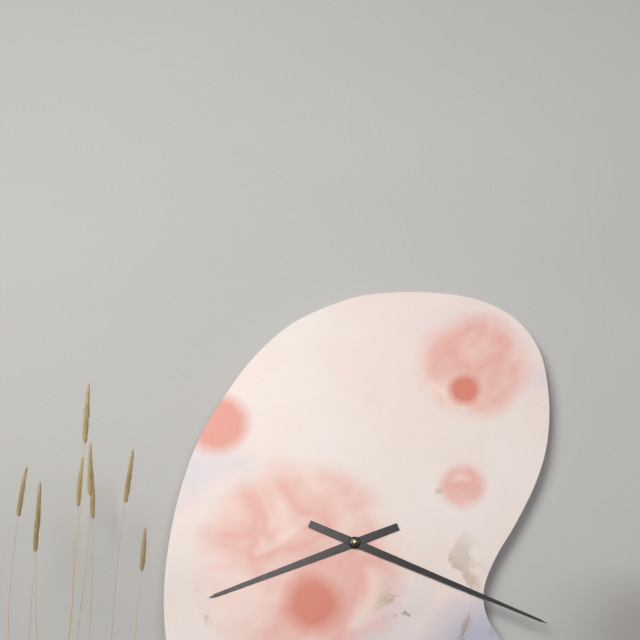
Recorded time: **8:19**
